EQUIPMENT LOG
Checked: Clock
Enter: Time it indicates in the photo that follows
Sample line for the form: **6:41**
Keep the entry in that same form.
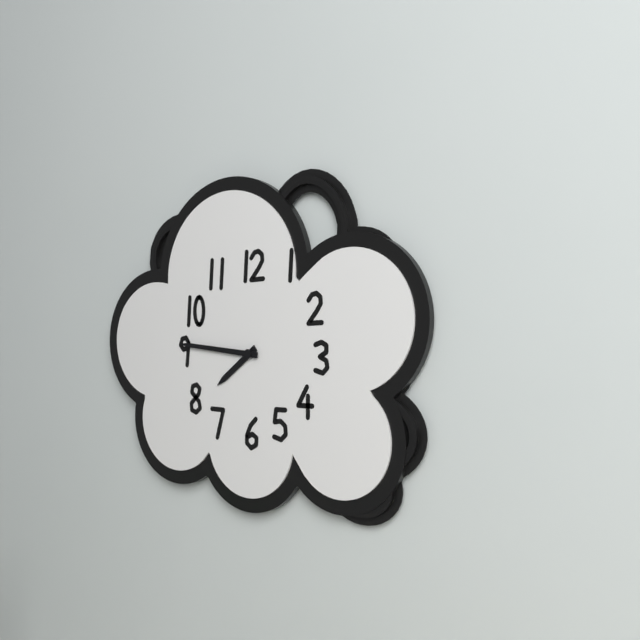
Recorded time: **7:46**
